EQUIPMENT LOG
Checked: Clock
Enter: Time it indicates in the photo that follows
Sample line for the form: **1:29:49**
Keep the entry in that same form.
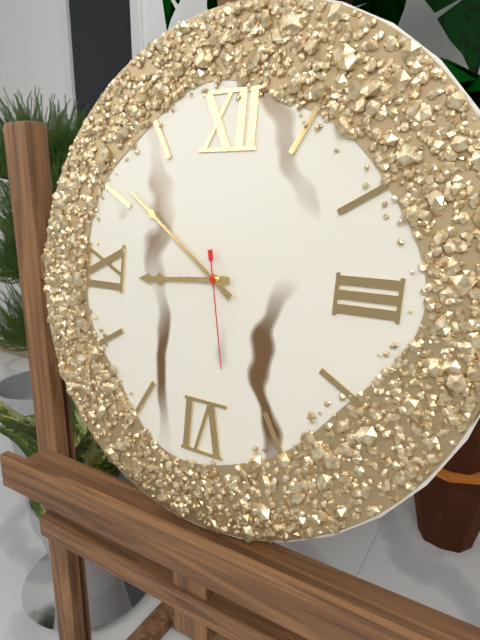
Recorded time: **8:51:28**
